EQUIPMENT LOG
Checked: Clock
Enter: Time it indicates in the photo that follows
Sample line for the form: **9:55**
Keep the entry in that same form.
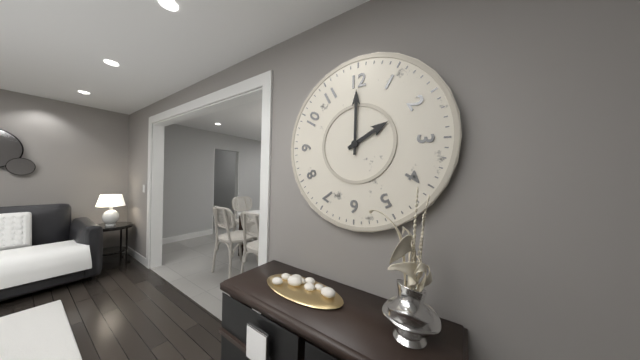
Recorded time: **2:00**
